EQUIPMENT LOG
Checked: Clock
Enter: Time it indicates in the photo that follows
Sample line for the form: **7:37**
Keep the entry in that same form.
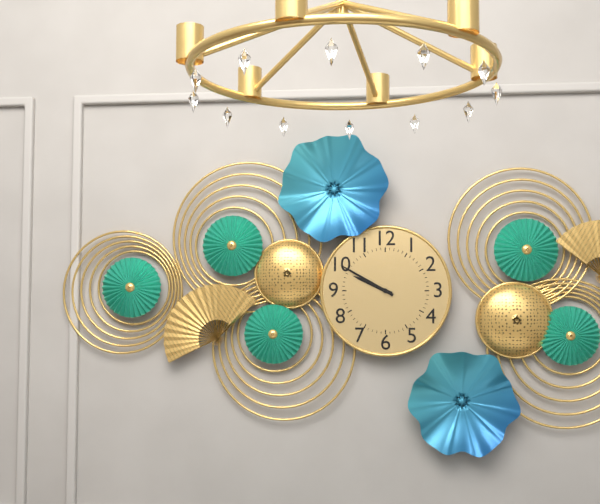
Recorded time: **9:50**
